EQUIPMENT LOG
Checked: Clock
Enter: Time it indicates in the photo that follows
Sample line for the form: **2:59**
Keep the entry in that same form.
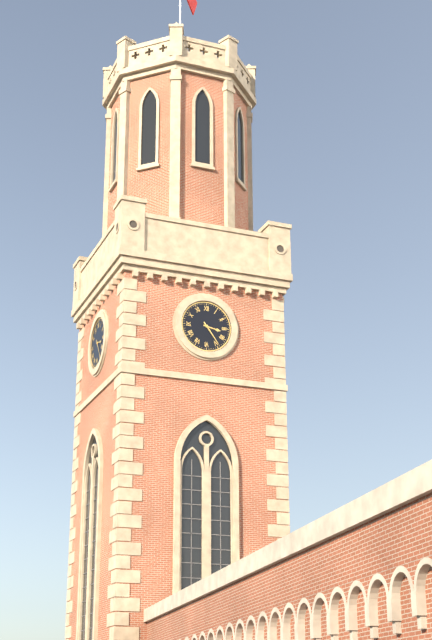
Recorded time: **3:24**
